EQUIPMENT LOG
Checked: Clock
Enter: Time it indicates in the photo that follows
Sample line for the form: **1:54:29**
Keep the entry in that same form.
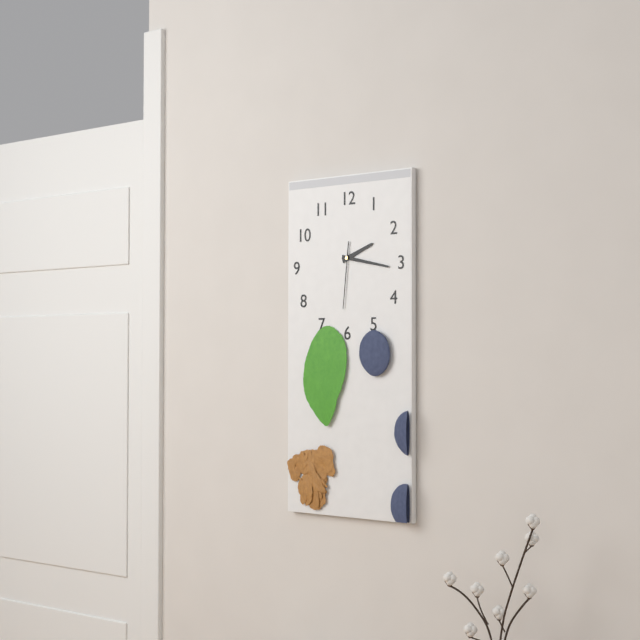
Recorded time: **2:17:31**
